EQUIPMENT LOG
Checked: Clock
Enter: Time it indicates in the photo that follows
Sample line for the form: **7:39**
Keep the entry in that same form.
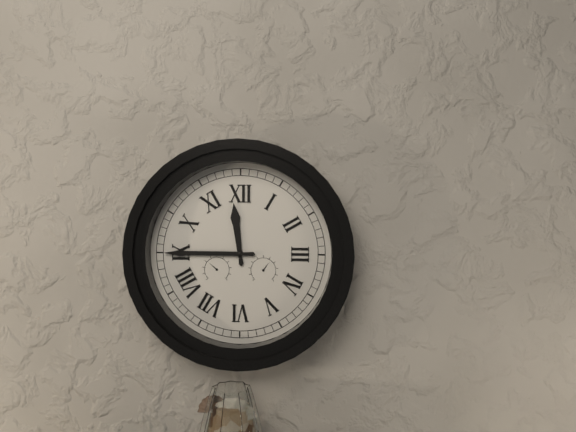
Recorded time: **11:45**
